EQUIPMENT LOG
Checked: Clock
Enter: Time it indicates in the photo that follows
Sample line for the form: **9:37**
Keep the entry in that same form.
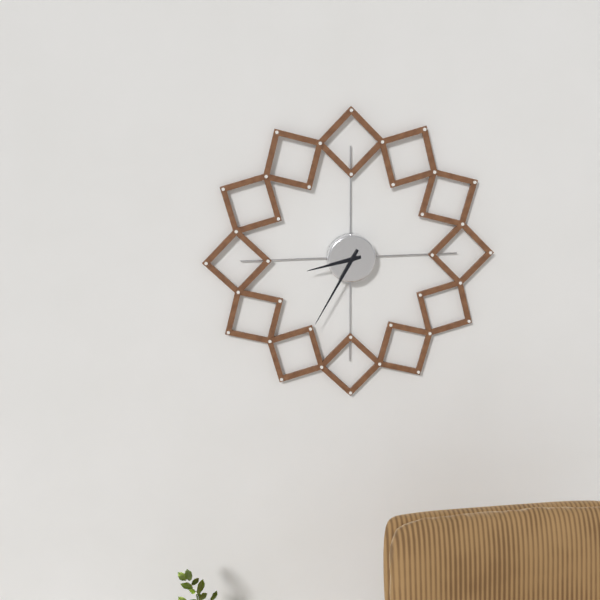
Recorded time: **8:35**
